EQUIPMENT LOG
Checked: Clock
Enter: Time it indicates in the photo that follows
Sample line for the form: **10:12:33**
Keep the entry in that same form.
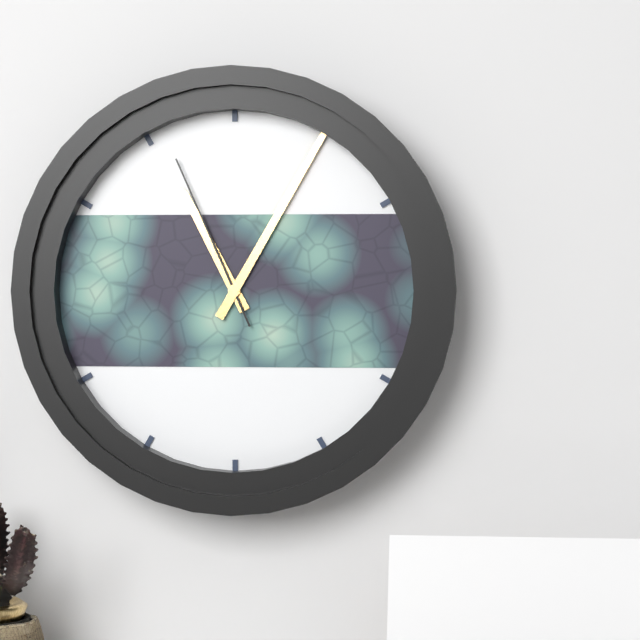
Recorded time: **11:05:56**
